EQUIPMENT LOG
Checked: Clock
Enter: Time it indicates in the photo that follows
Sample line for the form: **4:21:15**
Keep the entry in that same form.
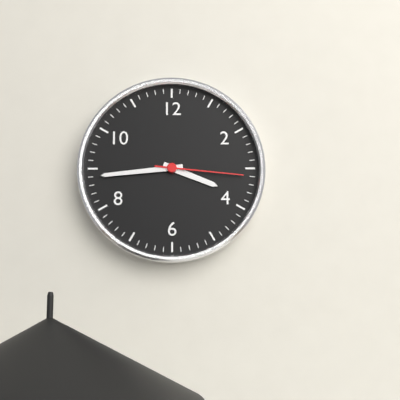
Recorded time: **3:44:16**
